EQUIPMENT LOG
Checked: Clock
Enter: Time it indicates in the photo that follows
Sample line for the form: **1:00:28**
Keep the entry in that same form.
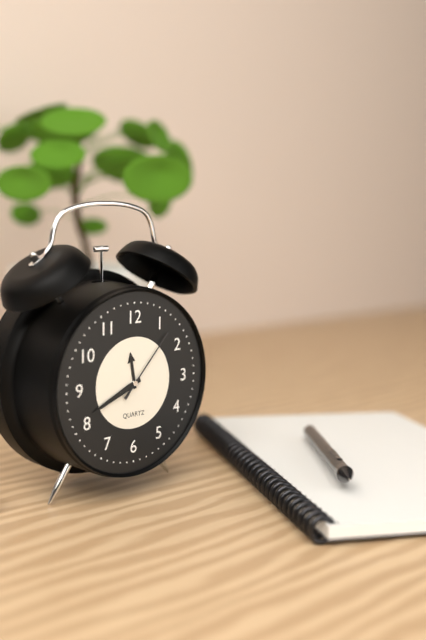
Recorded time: **11:41:07**
